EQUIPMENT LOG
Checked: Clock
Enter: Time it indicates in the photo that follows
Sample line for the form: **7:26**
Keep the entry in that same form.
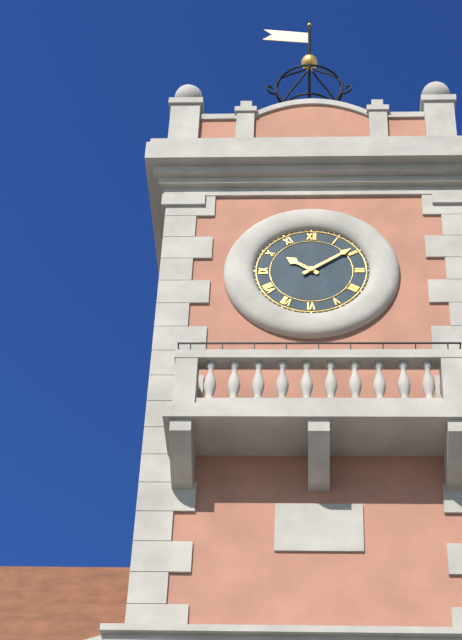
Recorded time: **10:09**
